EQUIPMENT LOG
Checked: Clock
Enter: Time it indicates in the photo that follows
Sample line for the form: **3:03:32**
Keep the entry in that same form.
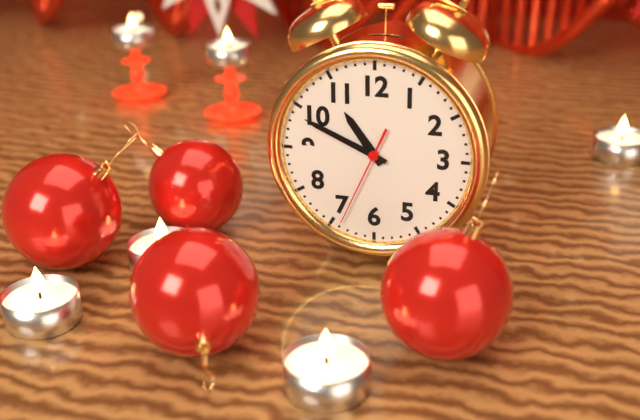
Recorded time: **10:49:34**
